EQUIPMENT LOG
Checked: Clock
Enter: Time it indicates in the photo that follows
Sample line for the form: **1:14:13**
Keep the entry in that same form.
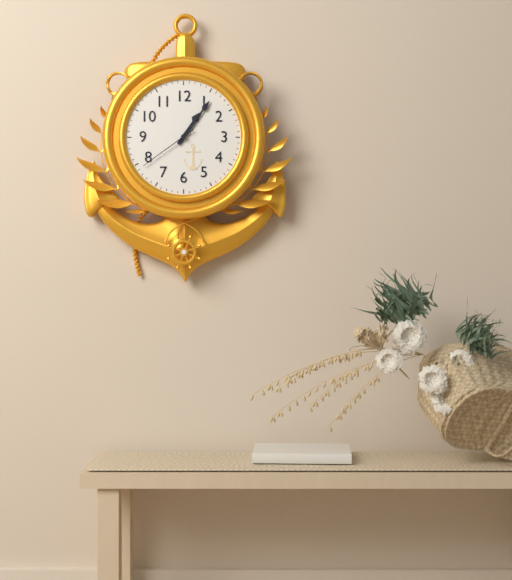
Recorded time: **1:06:39**
